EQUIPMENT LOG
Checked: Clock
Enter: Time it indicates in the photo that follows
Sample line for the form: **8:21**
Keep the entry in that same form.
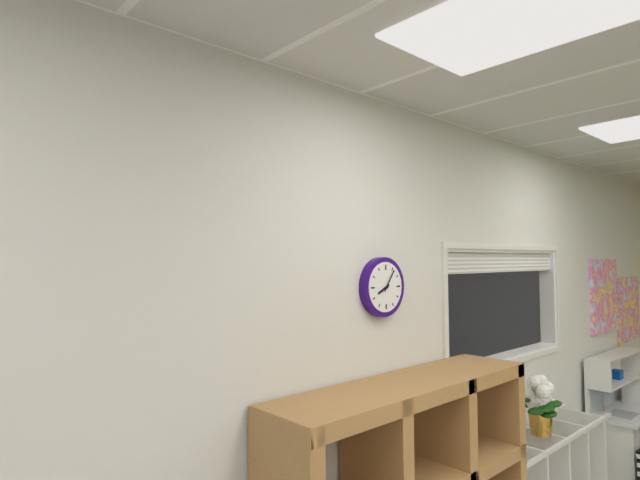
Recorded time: **8:06**
